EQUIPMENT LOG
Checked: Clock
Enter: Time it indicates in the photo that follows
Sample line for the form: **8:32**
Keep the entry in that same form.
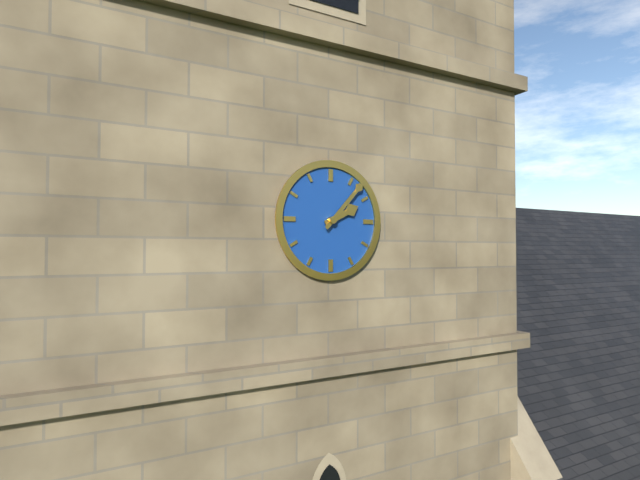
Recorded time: **2:07**
